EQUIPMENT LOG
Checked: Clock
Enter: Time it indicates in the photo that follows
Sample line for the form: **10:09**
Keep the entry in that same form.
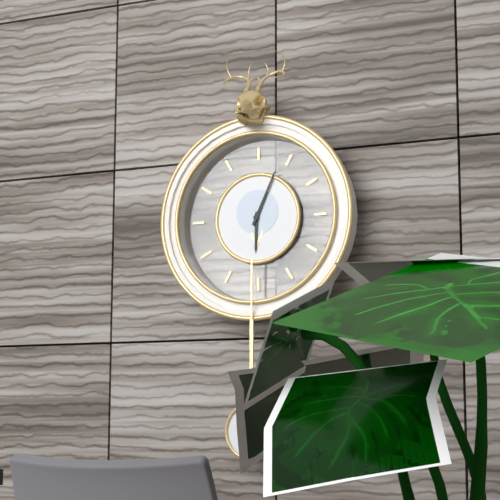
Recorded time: **6:04**
